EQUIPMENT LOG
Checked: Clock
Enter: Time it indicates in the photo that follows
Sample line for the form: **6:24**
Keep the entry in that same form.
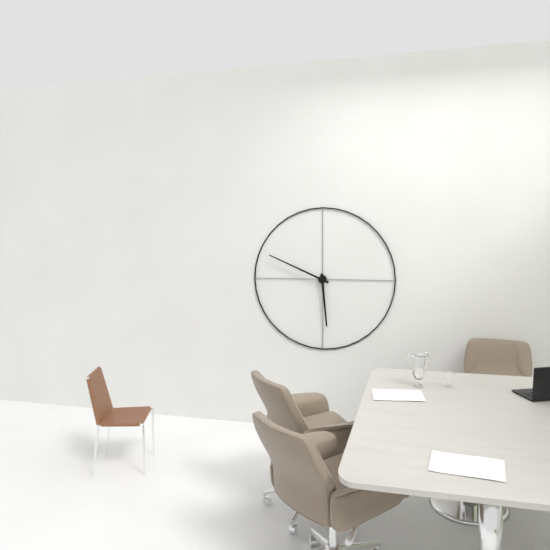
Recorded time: **5:49**
